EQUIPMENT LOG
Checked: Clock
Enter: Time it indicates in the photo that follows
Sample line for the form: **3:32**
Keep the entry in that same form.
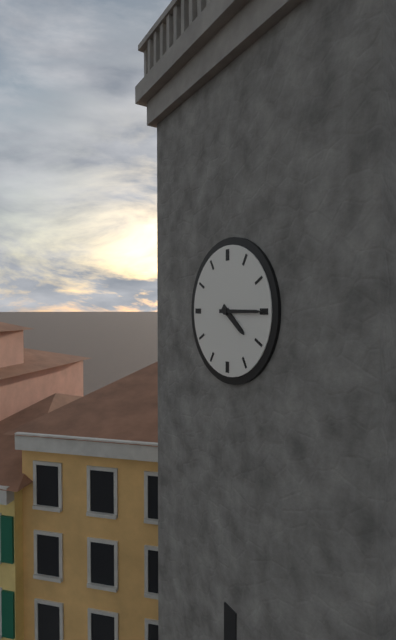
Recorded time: **4:15**
